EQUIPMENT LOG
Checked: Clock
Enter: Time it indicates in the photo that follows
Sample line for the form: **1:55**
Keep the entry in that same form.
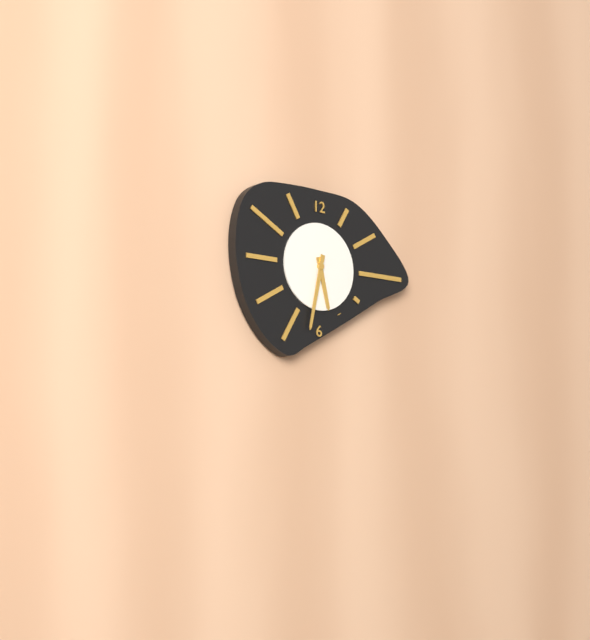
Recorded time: **5:32**
